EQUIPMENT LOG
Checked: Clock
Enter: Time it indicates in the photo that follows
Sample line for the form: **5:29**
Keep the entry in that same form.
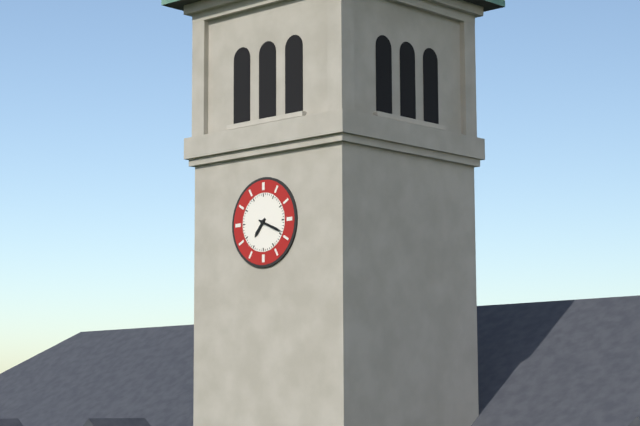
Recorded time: **7:19**
